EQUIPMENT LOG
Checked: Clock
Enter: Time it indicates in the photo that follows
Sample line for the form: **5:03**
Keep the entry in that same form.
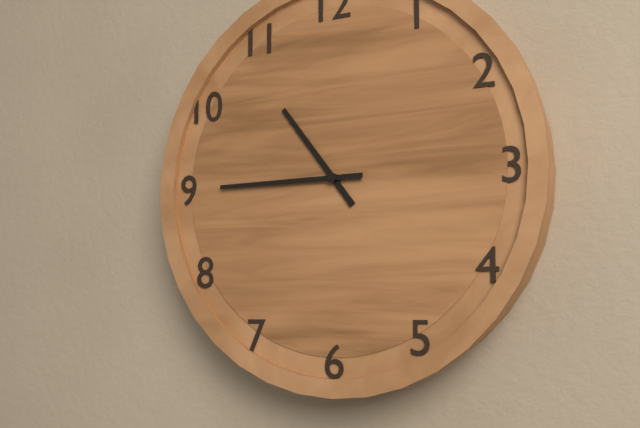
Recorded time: **10:45**
